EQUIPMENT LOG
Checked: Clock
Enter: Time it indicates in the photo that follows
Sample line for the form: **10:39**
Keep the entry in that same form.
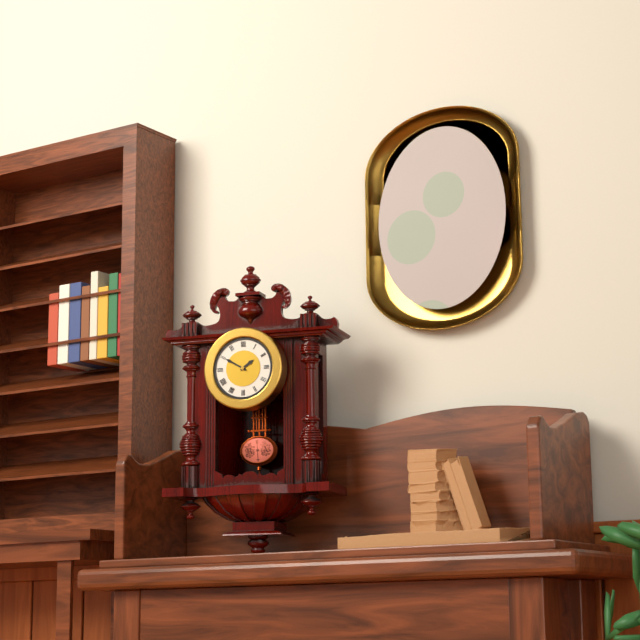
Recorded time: **1:50**
